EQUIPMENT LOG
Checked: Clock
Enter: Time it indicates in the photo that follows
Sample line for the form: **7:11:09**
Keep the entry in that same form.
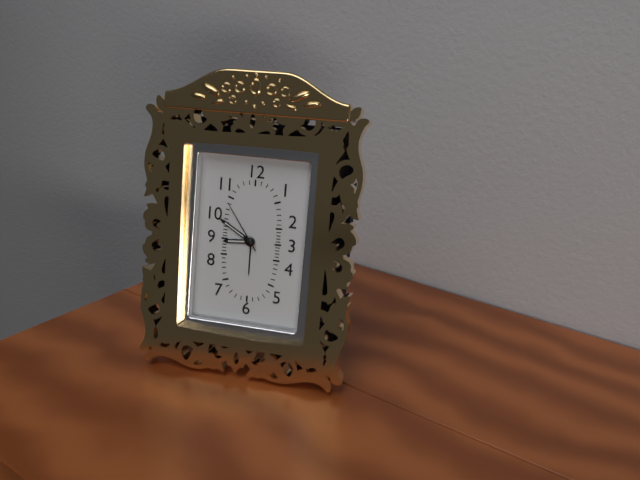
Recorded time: **8:50:54**
